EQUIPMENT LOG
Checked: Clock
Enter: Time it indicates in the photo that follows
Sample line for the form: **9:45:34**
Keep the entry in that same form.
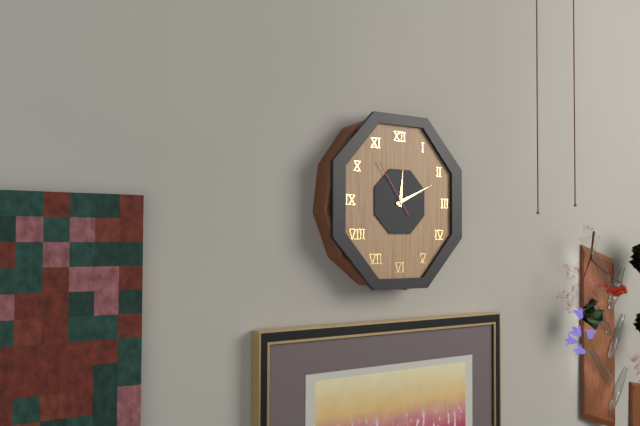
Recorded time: **12:11:54**
